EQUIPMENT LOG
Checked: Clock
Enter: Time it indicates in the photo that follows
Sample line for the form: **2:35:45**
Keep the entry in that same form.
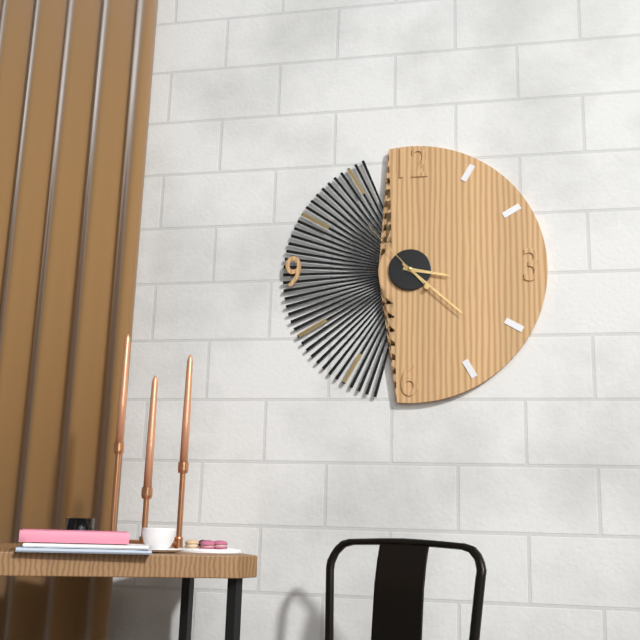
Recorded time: **3:22:53**
